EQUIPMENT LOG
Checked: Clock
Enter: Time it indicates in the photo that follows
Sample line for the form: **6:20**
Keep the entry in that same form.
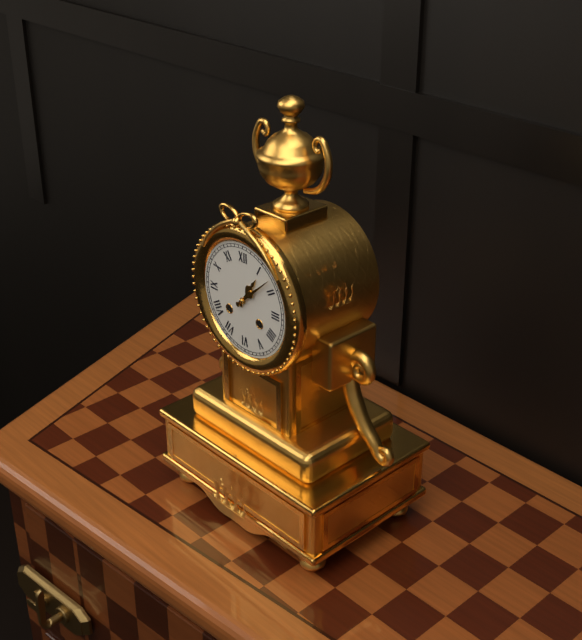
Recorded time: **1:08**
